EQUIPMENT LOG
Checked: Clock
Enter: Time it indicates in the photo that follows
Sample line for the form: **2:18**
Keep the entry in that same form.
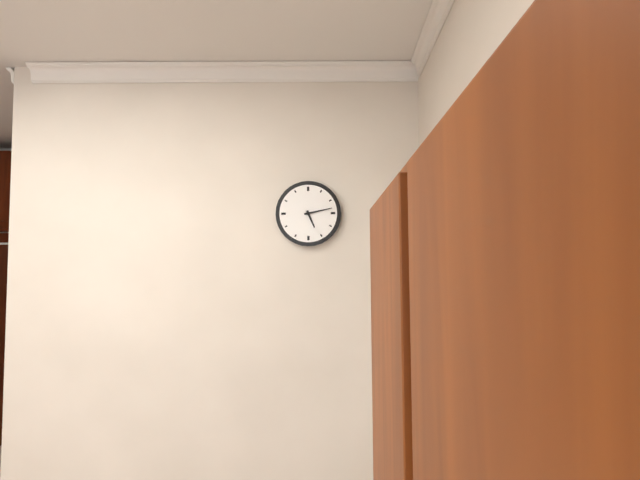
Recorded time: **5:13**
